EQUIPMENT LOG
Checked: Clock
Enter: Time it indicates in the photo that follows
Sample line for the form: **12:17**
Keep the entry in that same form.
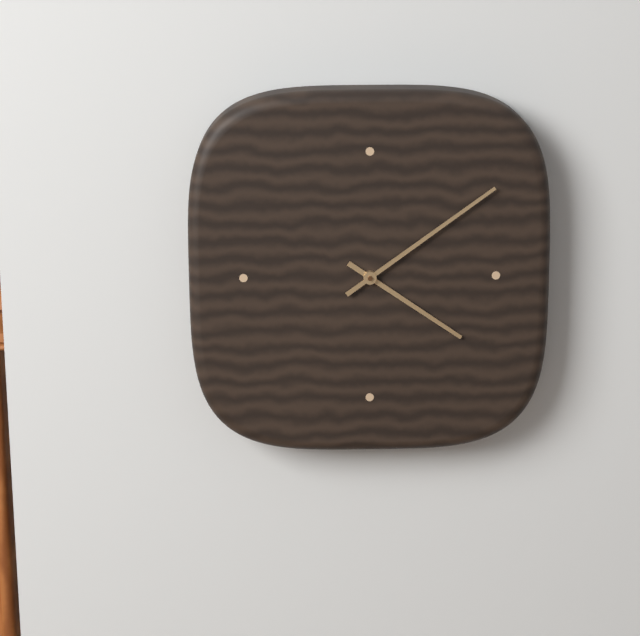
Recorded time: **4:09**
